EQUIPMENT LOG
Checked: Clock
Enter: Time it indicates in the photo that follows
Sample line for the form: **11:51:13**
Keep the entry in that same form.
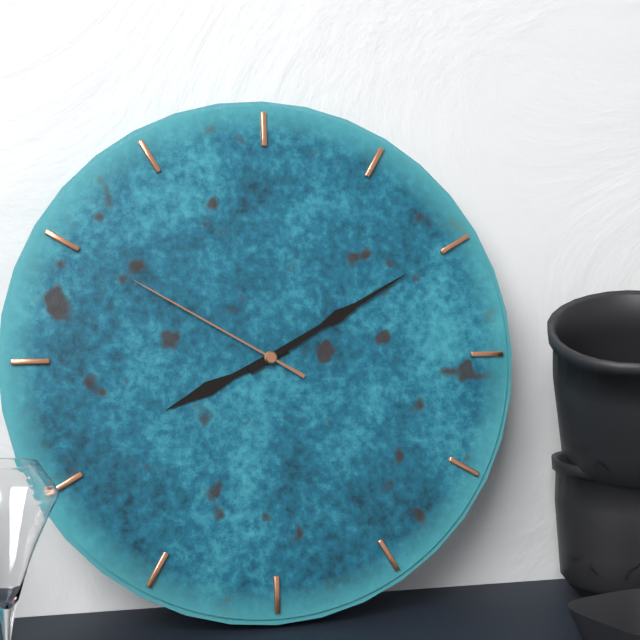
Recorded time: **8:10:50**
